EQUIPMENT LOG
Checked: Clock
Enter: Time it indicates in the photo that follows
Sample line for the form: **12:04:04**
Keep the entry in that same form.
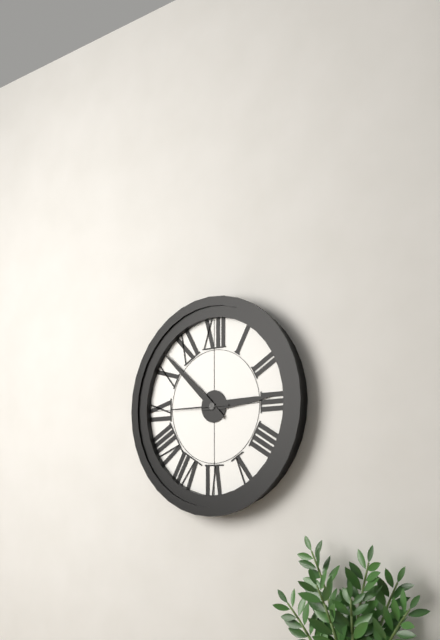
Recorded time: **2:52:45**
